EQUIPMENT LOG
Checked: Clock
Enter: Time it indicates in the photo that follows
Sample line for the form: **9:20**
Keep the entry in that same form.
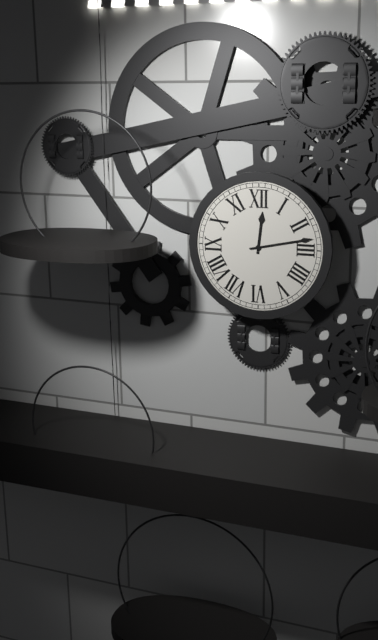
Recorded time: **12:13**
